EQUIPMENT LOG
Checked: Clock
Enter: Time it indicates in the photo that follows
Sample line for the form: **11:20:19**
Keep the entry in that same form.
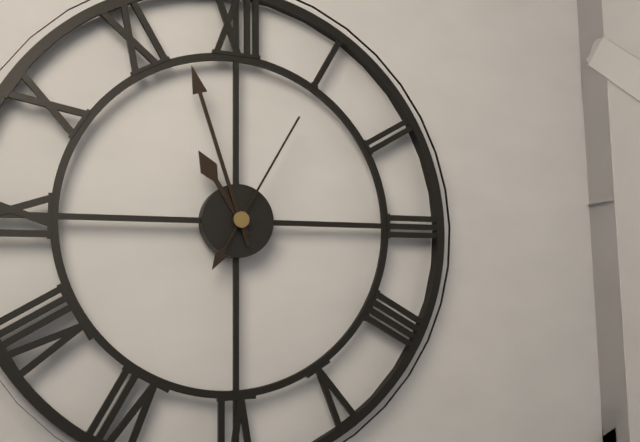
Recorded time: **10:57:05**
